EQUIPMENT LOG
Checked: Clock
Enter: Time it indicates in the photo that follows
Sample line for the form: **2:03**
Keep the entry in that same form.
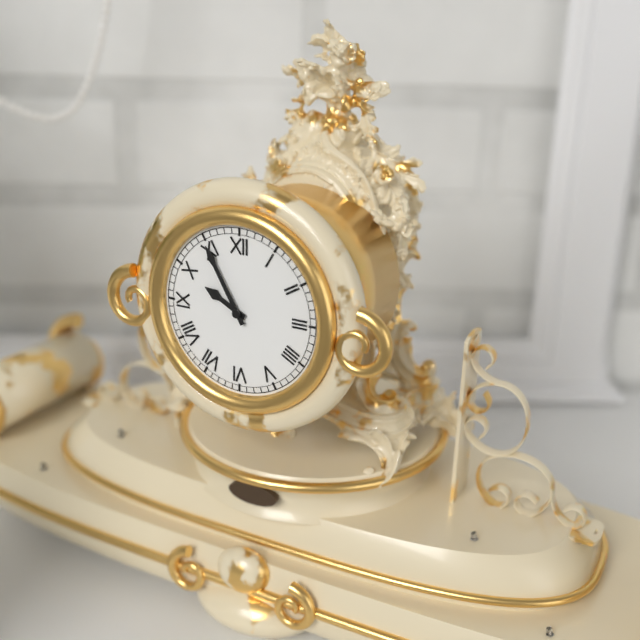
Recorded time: **9:55**
